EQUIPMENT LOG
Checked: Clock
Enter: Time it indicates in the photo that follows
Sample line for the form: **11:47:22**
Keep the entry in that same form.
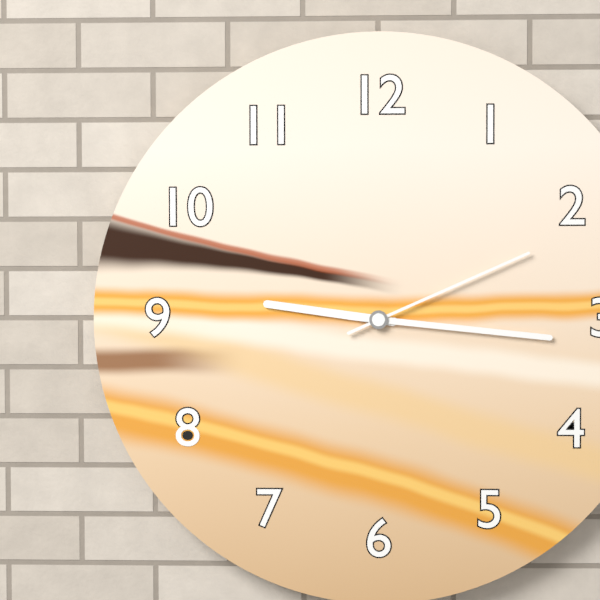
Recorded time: **9:16:11**
